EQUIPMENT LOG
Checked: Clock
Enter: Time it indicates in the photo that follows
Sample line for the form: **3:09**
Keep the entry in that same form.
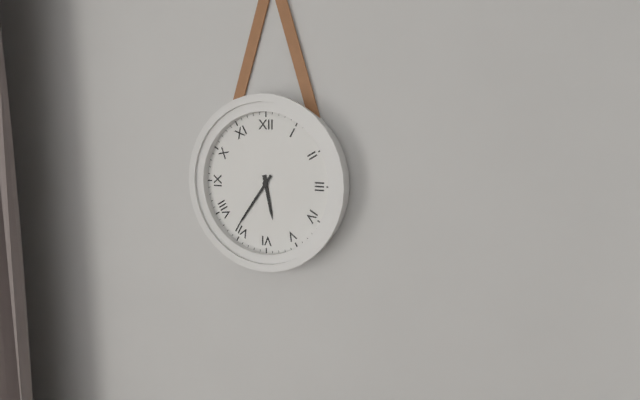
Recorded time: **5:36**
